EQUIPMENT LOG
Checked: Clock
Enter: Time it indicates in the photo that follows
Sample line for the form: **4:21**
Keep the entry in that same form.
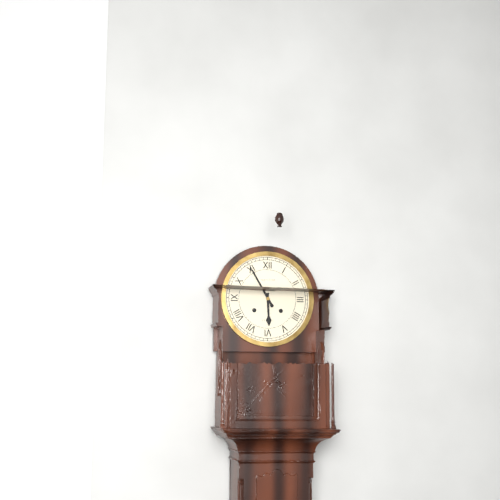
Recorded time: **5:55**
